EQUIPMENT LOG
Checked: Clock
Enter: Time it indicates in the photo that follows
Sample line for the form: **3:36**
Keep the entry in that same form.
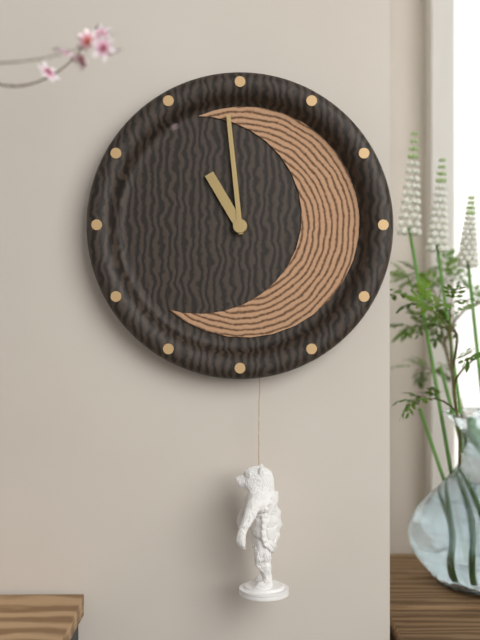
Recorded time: **10:59**
